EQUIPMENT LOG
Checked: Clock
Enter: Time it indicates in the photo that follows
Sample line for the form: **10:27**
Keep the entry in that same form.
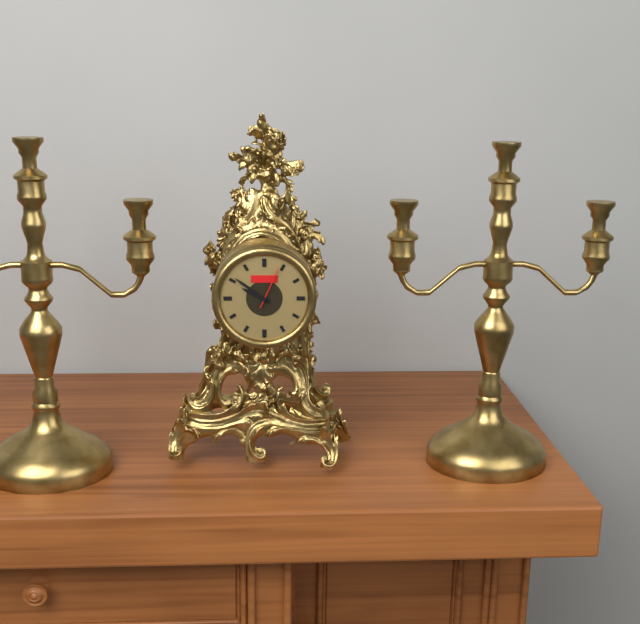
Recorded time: **9:51**
